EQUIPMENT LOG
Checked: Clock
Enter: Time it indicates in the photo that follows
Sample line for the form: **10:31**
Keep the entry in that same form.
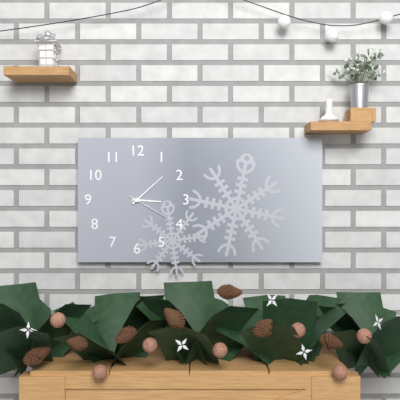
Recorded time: **3:08**
